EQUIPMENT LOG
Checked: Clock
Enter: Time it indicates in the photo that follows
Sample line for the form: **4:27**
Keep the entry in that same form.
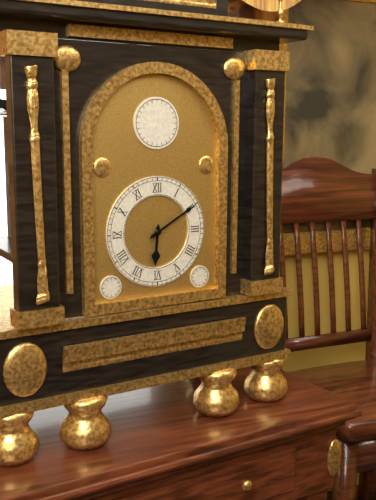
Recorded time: **6:10**
